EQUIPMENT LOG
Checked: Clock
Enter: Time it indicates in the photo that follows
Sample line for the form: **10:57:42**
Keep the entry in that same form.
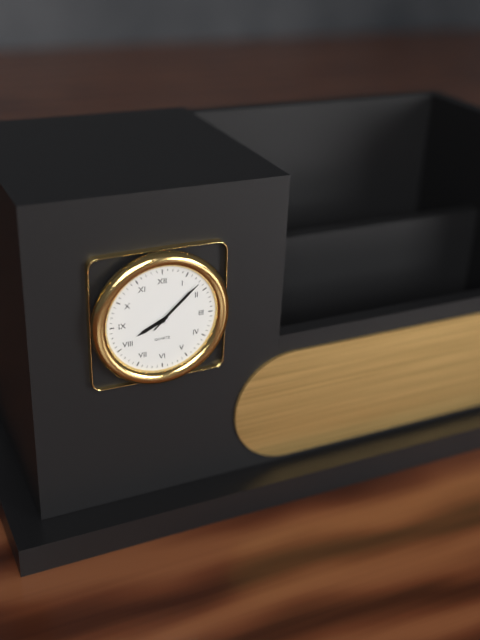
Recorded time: **8:08:08**
